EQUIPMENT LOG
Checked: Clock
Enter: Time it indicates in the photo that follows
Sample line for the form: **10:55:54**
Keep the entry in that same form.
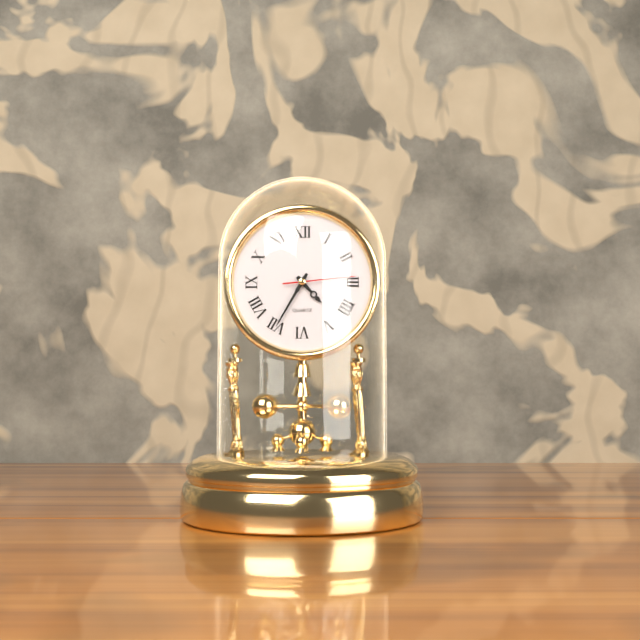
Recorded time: **4:35:14**
